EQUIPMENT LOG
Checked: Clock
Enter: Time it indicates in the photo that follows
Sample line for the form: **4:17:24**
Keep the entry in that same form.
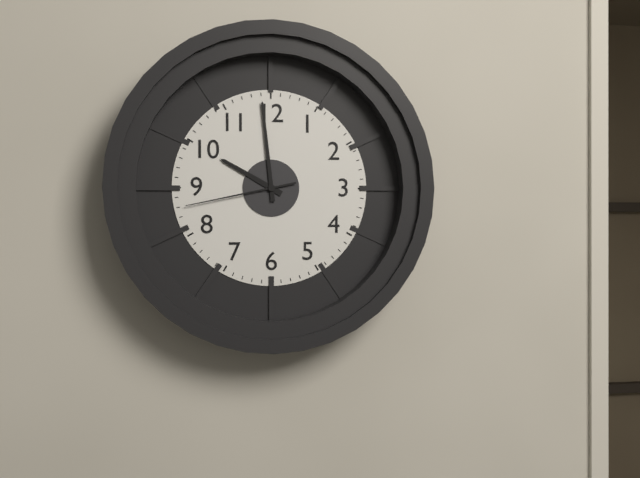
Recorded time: **9:59:43**
